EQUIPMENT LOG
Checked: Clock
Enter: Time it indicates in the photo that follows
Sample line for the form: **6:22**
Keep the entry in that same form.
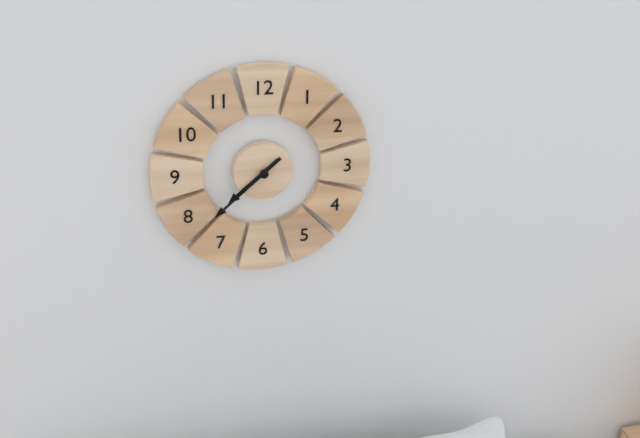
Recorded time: **7:38**
